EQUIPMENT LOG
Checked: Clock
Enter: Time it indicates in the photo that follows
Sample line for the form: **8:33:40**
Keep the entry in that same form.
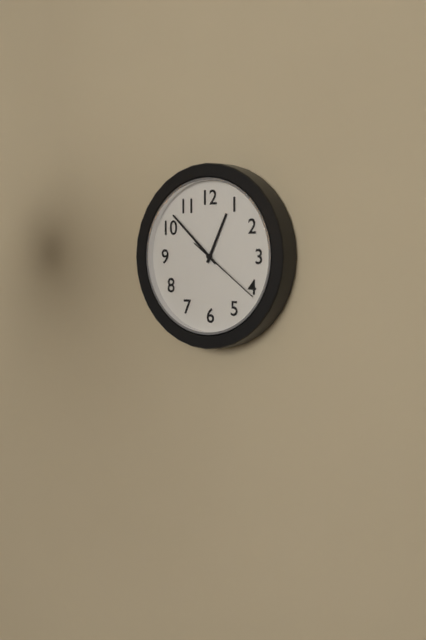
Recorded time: **12:52:21**
